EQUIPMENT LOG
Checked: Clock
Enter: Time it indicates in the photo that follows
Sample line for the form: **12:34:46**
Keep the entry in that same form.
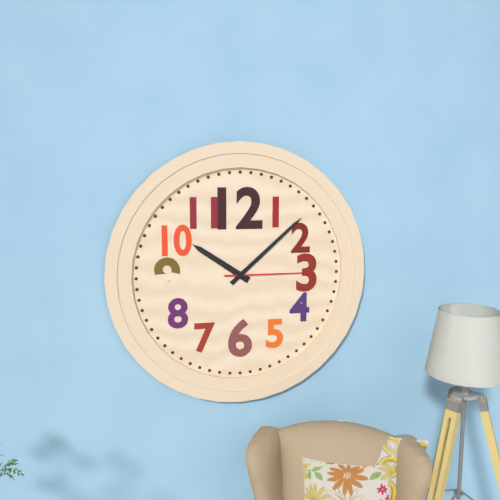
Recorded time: **10:08:15**
